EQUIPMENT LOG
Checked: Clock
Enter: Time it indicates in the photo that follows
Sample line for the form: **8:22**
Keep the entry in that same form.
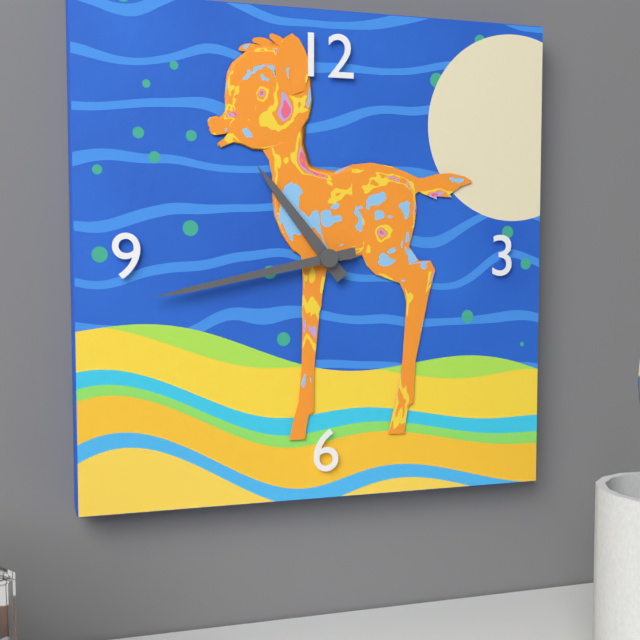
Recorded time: **10:43**
